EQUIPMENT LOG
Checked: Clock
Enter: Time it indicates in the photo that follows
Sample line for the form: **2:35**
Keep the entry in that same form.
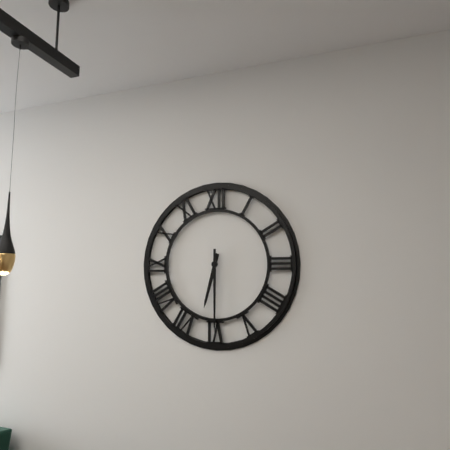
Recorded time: **6:30**
